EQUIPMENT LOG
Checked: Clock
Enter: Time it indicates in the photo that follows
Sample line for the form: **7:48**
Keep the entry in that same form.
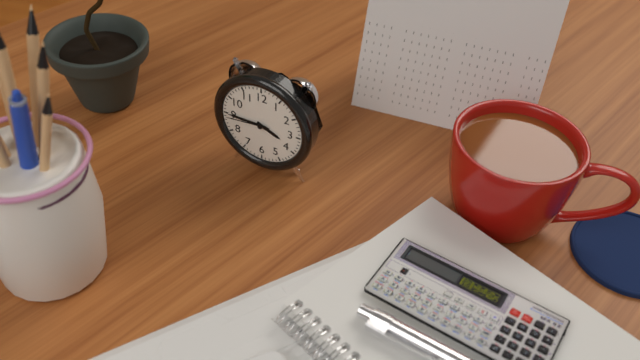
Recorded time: **3:45**
